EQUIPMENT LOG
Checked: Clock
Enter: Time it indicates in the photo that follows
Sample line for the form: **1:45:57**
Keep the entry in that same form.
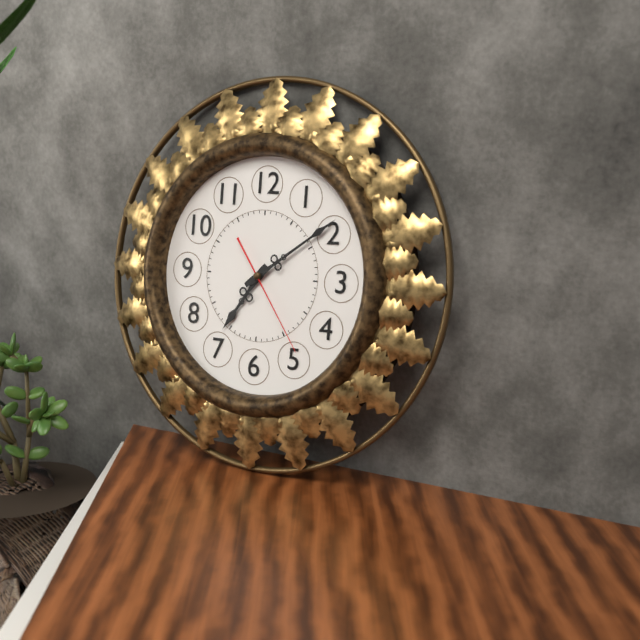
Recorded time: **7:09:24**
